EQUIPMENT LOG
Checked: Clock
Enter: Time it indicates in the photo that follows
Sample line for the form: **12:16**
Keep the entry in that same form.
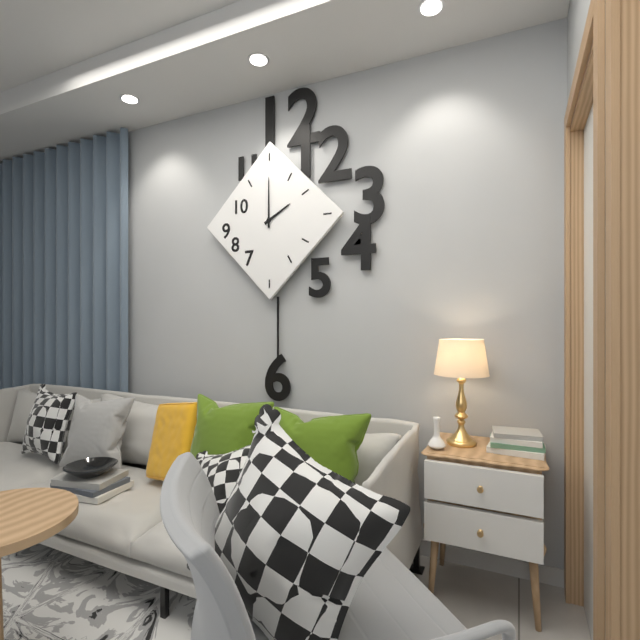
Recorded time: **2:00**
